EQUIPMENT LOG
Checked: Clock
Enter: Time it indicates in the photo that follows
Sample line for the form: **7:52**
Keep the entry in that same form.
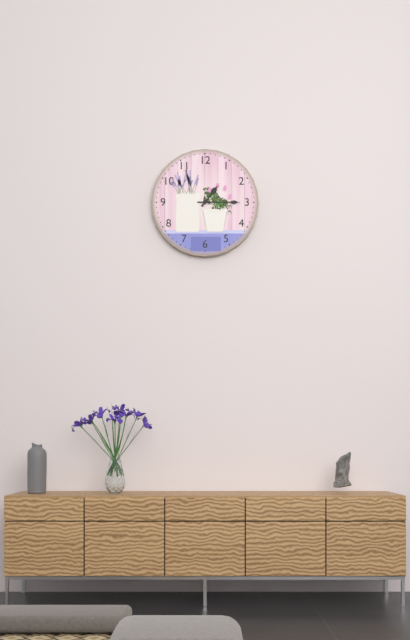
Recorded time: **1:15**
